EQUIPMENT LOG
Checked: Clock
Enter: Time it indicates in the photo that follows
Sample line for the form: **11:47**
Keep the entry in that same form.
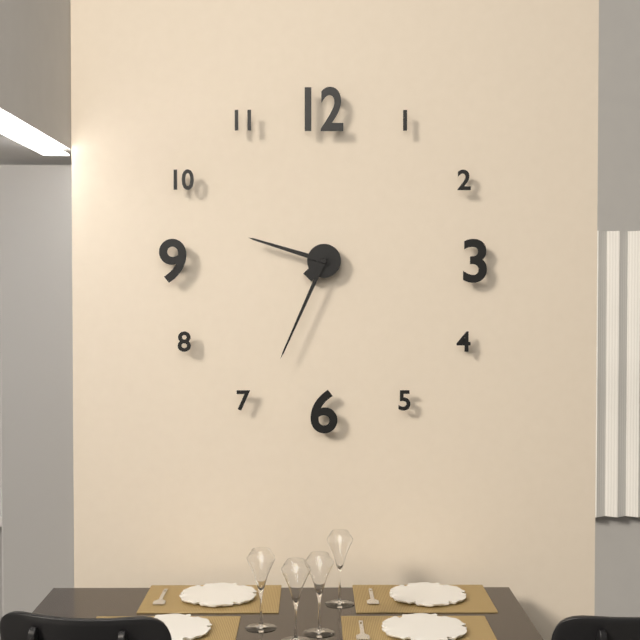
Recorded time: **9:34**
